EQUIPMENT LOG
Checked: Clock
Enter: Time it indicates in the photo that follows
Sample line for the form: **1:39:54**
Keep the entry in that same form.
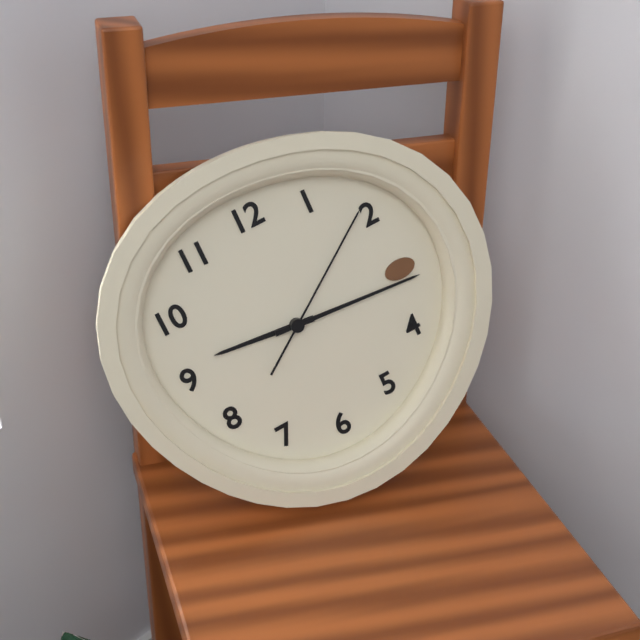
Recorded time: **9:16:09**
